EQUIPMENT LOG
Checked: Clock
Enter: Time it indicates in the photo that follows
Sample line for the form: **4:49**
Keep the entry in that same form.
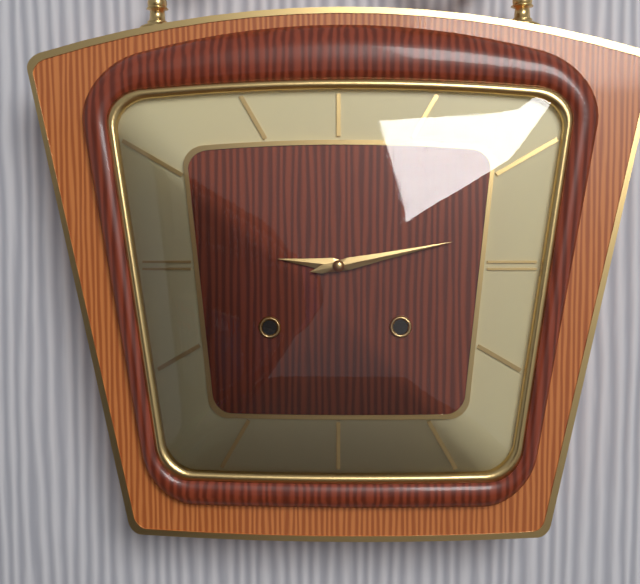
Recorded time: **9:13**
